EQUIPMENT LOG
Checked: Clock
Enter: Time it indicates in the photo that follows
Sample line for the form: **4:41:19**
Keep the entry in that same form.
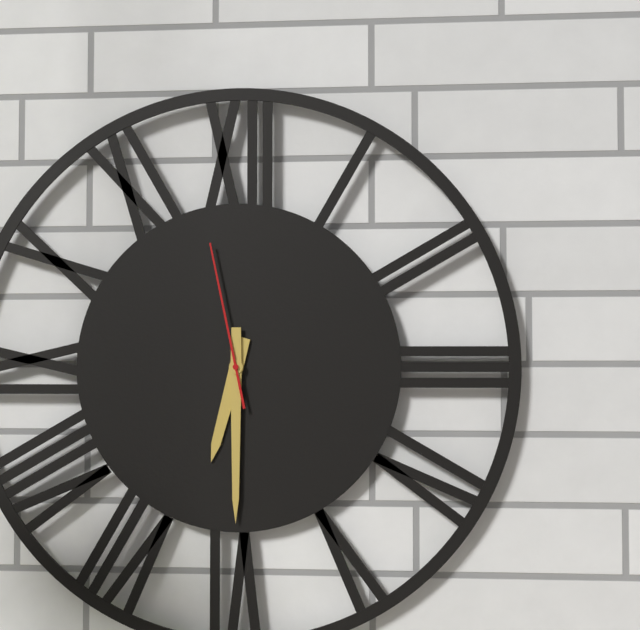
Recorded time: **6:30:58**
